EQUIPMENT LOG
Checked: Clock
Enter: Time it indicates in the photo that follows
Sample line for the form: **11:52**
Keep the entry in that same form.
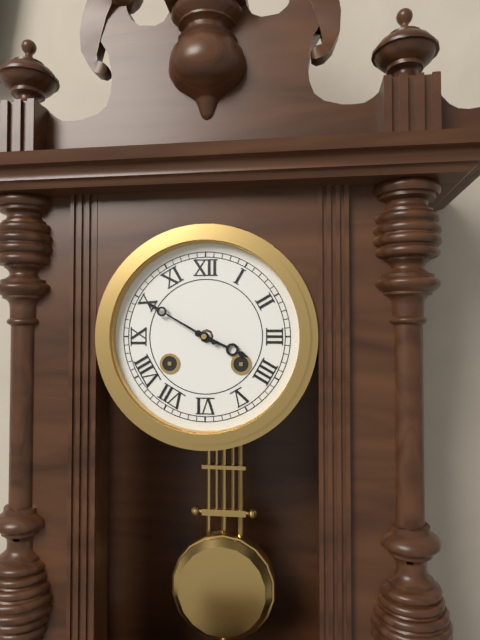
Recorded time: **3:50**
